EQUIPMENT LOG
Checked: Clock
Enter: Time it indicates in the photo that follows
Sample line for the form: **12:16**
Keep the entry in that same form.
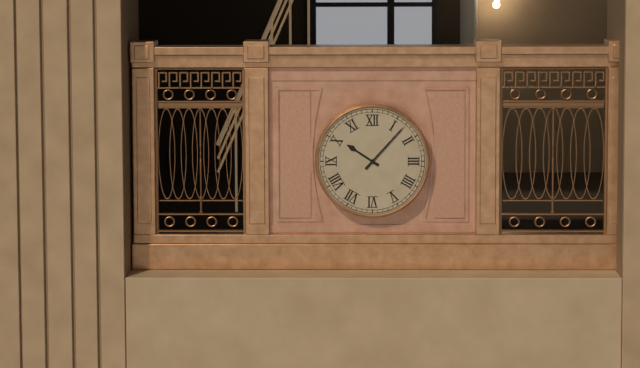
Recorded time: **10:07**
